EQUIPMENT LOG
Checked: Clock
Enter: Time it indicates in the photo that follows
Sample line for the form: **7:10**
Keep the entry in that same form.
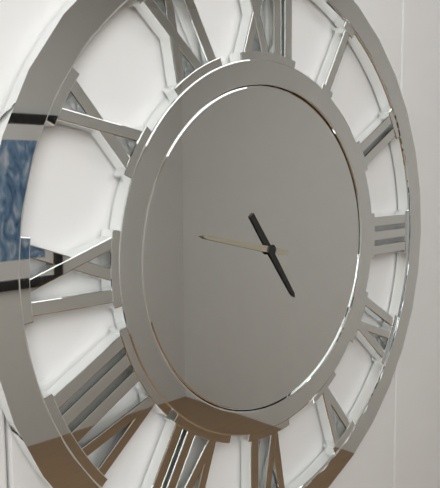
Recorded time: **4:47**
